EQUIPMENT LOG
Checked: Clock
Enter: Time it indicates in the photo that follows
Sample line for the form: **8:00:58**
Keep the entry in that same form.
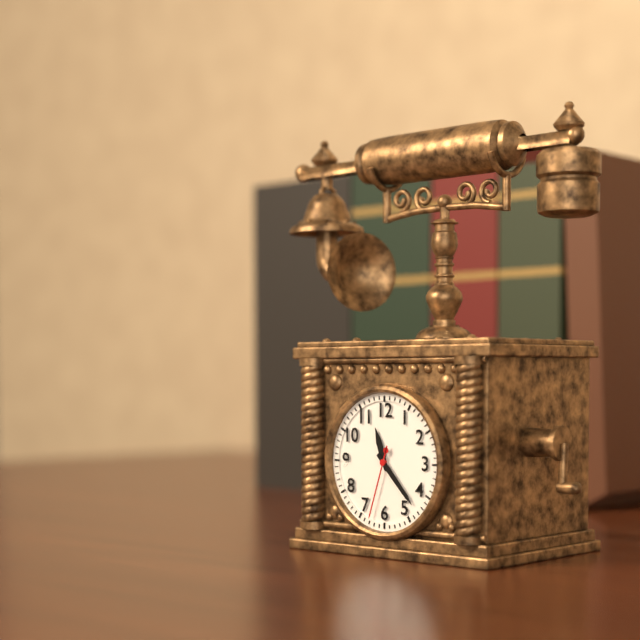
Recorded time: **11:23:33**
